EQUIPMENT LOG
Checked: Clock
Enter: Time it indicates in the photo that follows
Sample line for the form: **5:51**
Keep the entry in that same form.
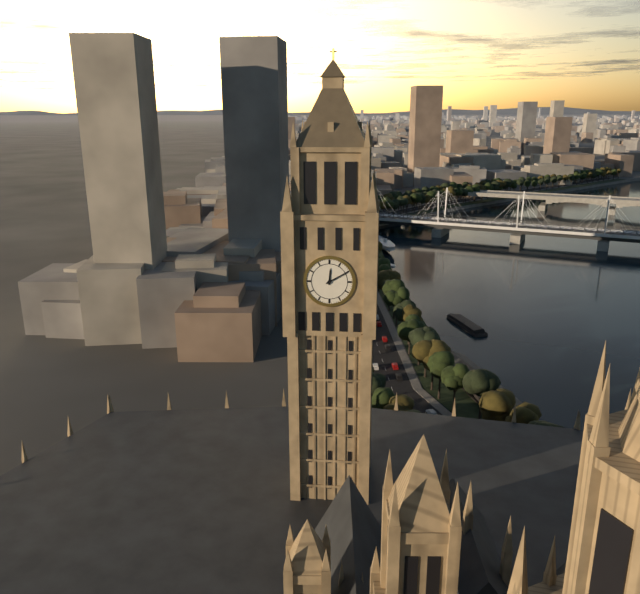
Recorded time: **12:10**
